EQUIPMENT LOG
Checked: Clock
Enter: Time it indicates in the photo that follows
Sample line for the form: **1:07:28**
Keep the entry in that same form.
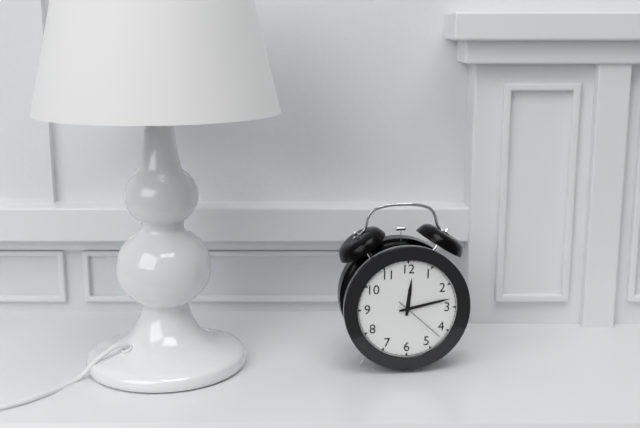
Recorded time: **12:13:22**
